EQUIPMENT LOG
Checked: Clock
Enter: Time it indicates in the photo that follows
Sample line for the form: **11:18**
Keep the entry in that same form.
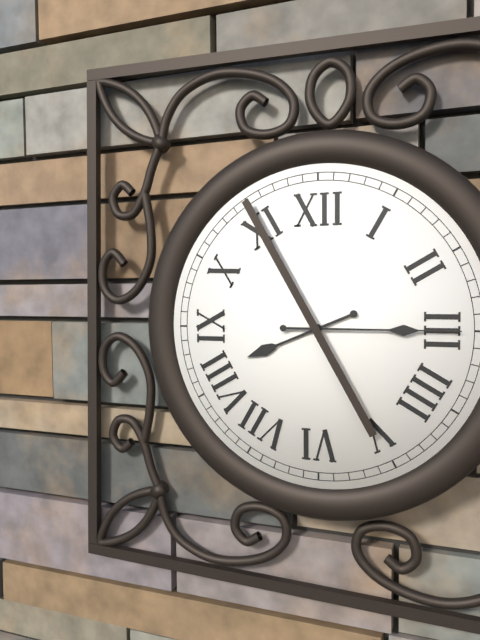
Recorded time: **8:15**
